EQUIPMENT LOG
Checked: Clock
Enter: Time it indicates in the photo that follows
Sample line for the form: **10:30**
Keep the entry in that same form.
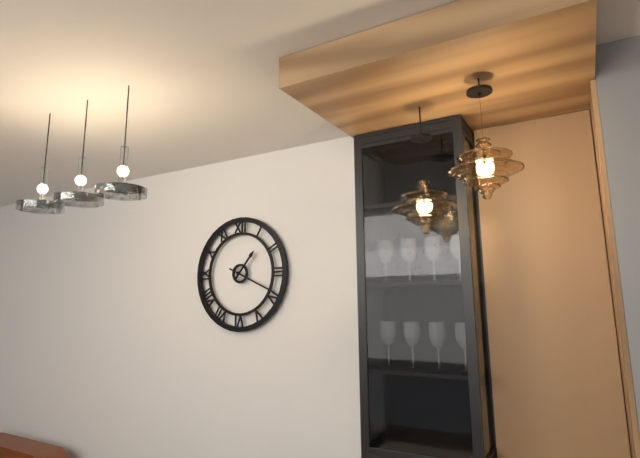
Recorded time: **1:19**
